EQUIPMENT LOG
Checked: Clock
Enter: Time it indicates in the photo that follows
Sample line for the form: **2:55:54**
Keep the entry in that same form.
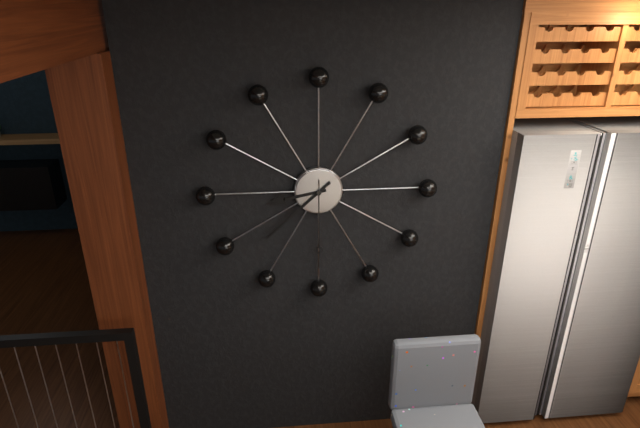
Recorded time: **8:38:30**
